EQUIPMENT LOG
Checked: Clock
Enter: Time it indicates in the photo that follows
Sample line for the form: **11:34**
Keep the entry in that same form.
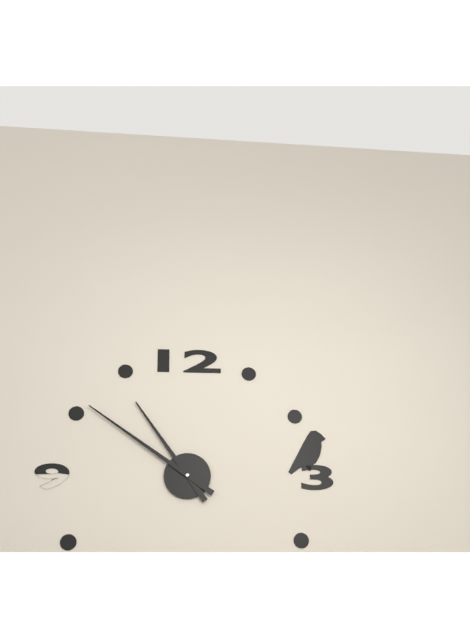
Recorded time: **10:51**
